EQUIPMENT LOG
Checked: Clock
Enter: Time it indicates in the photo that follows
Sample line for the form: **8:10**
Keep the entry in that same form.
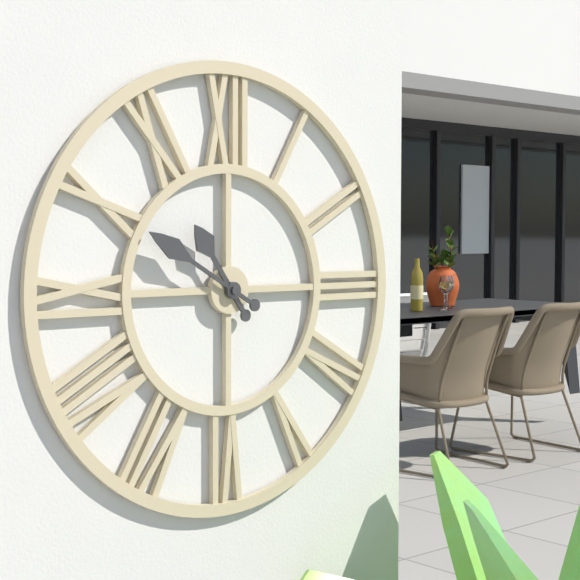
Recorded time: **10:50**
